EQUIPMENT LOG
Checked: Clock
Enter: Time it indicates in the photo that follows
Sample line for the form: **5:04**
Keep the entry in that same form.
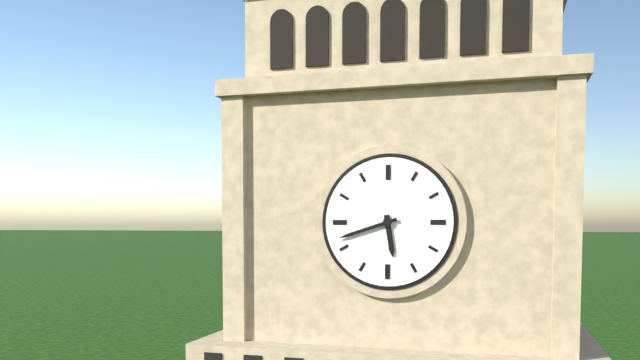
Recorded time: **5:42**
